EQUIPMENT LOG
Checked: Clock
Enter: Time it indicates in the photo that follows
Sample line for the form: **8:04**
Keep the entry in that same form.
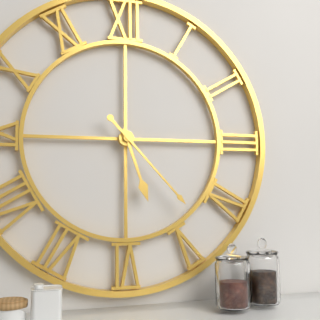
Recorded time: **5:23**
